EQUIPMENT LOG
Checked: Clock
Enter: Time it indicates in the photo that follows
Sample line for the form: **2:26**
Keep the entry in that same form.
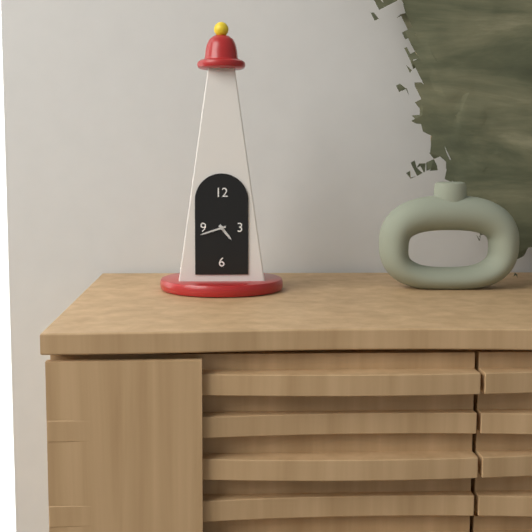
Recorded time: **4:42**
